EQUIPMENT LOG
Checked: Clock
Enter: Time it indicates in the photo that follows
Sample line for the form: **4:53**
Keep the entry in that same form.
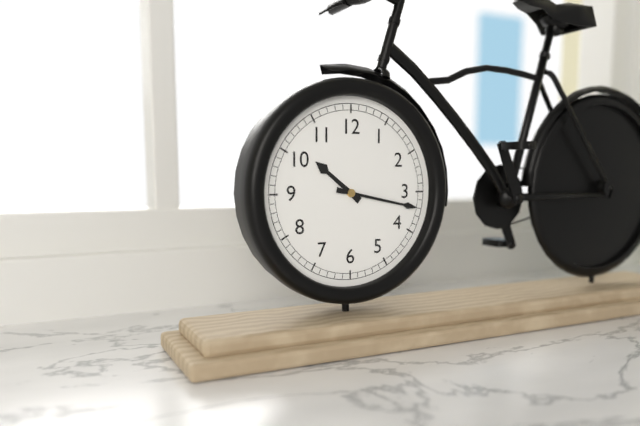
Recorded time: **10:17**
